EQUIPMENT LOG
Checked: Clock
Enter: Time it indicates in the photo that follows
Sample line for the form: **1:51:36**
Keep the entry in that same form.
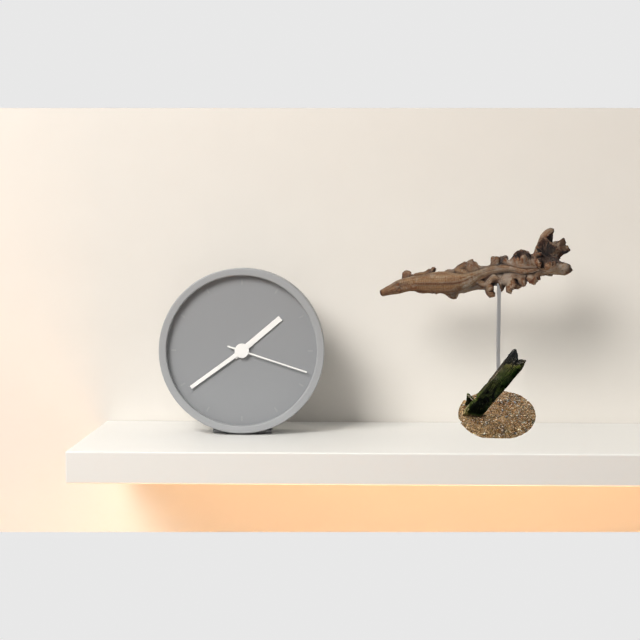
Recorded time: **1:39:18**
